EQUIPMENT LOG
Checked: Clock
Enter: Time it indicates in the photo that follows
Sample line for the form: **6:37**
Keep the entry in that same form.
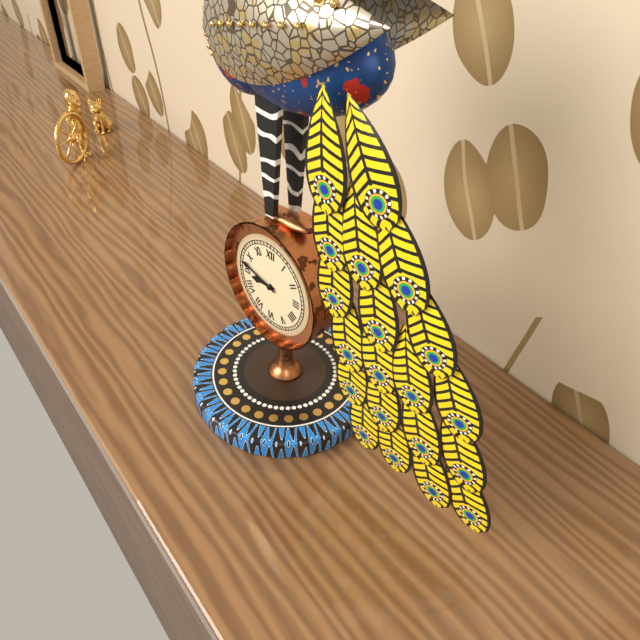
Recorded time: **8:47**
